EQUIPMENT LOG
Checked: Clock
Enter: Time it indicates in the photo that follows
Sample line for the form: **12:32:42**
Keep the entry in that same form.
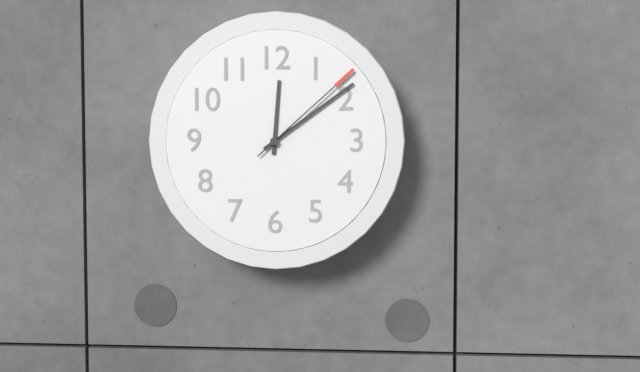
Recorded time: **12:09:08**
